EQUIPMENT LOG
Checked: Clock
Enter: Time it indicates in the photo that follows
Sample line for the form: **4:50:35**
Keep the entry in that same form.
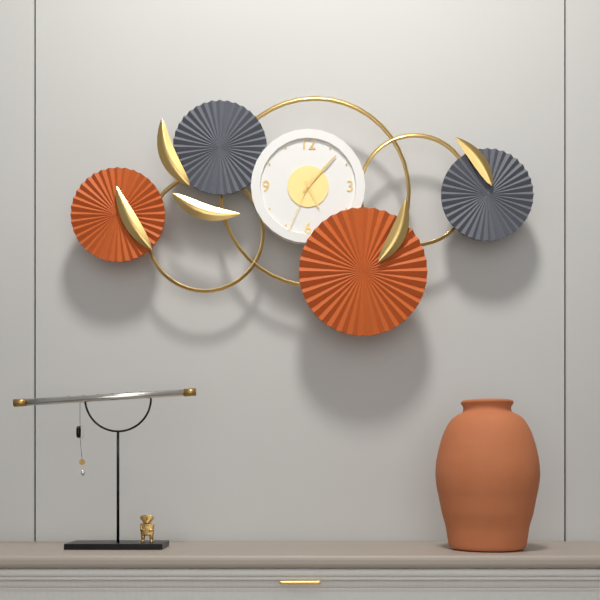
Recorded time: **5:07:34**
